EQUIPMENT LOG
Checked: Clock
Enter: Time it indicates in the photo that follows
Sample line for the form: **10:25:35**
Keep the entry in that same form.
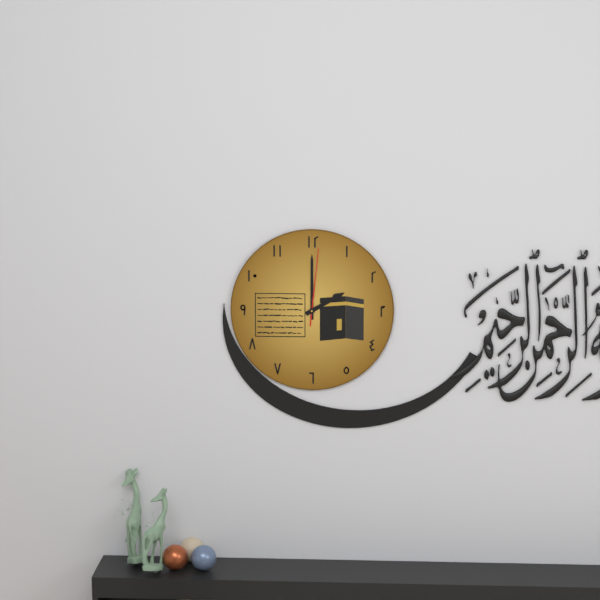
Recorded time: **2:00:01**
